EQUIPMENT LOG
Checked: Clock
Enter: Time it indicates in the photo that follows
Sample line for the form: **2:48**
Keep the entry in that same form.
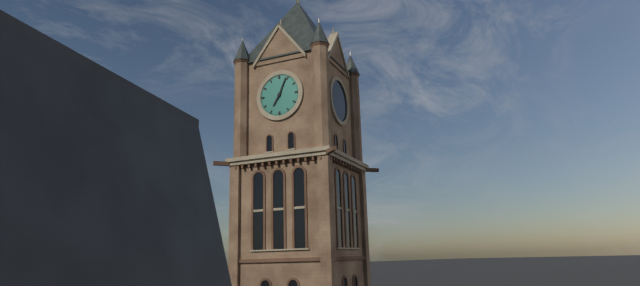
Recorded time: **7:04**
